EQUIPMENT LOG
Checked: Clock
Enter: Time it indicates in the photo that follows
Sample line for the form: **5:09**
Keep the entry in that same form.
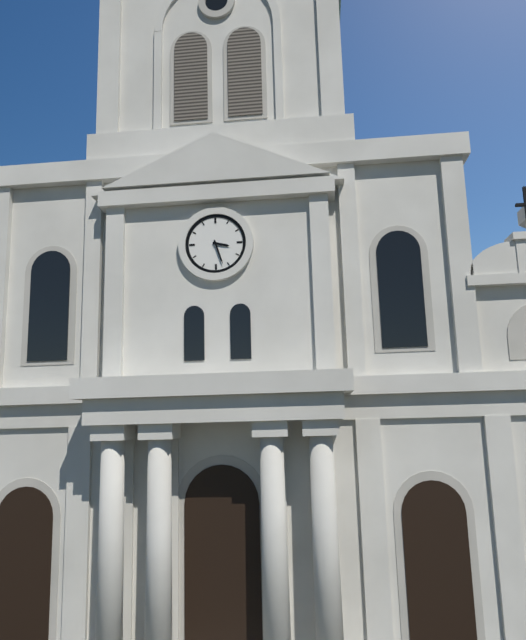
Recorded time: **3:27**
